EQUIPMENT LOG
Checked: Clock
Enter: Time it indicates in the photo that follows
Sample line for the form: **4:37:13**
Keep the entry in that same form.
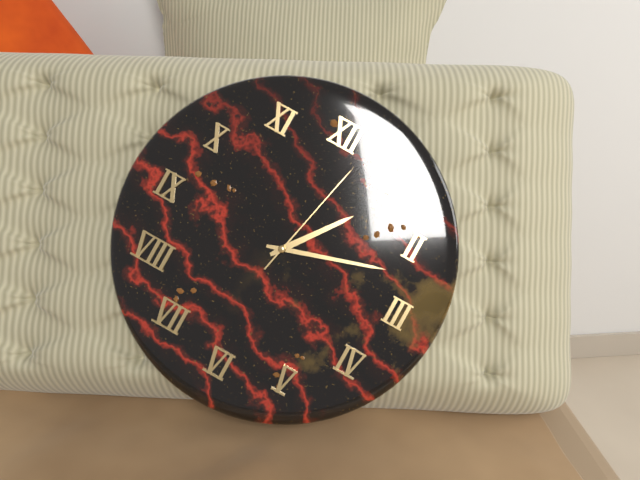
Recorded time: **1:12:02**
